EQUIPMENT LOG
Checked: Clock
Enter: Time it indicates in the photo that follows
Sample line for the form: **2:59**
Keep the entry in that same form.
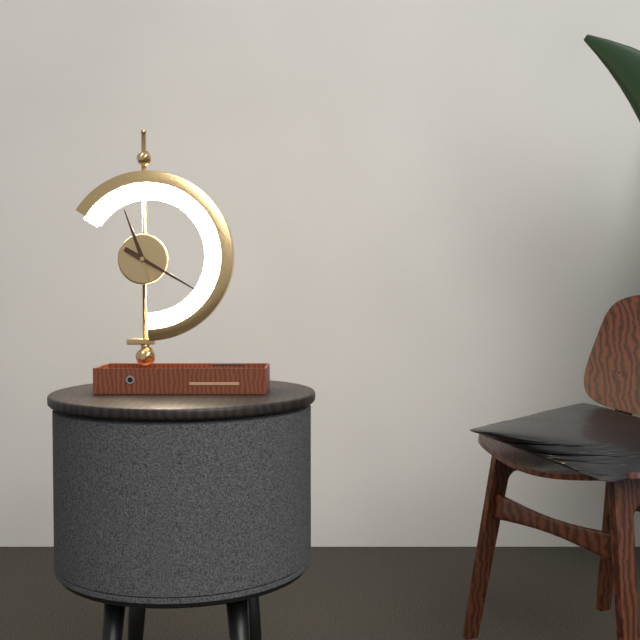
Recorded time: **11:20**
